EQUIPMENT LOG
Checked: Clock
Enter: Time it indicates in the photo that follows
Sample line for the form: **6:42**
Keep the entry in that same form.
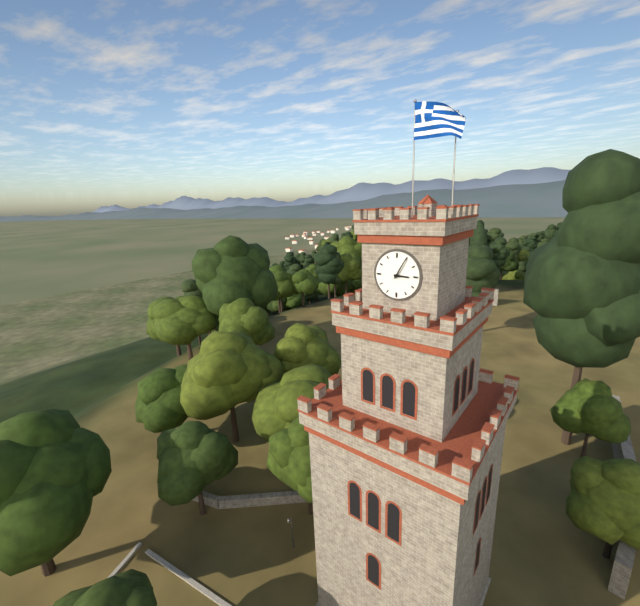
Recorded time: **3:05**
